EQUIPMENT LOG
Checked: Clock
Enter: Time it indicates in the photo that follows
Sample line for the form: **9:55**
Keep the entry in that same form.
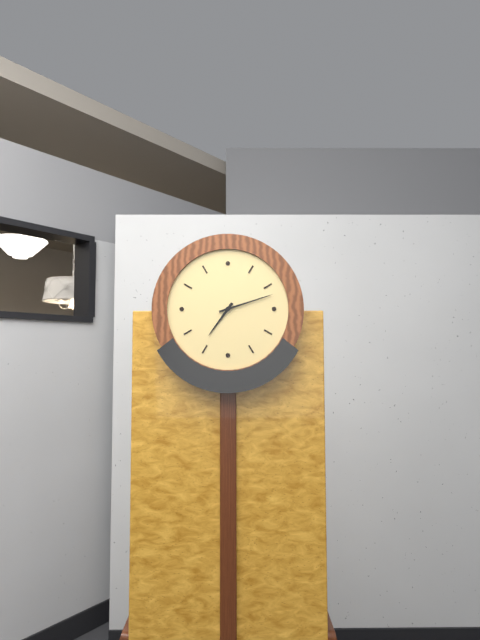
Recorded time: **7:12**
